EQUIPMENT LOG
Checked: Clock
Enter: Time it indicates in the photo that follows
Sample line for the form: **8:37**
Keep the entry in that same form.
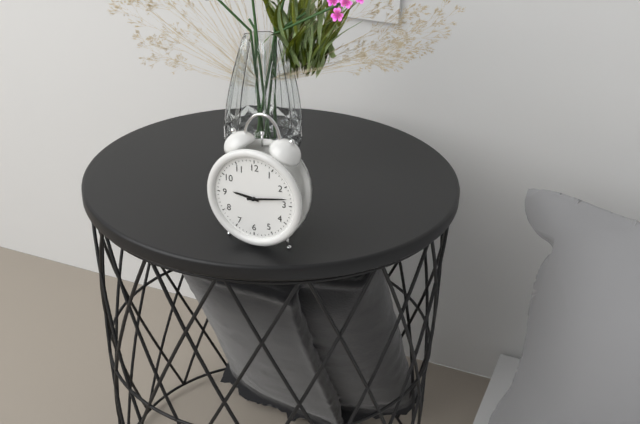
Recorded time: **9:13**
